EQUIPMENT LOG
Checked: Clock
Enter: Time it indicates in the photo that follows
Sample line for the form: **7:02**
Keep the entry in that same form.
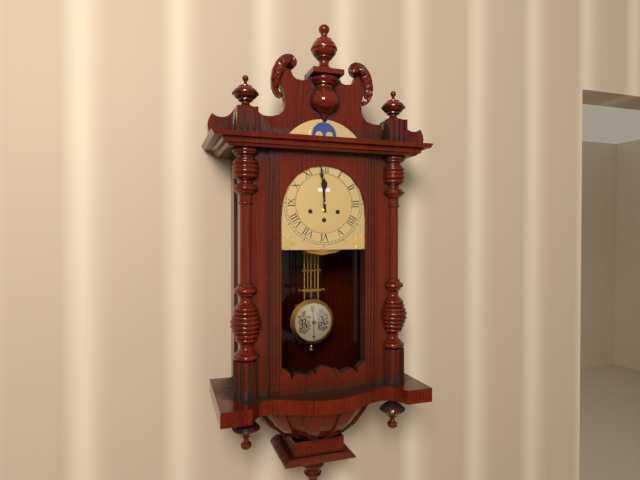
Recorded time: **11:59**
